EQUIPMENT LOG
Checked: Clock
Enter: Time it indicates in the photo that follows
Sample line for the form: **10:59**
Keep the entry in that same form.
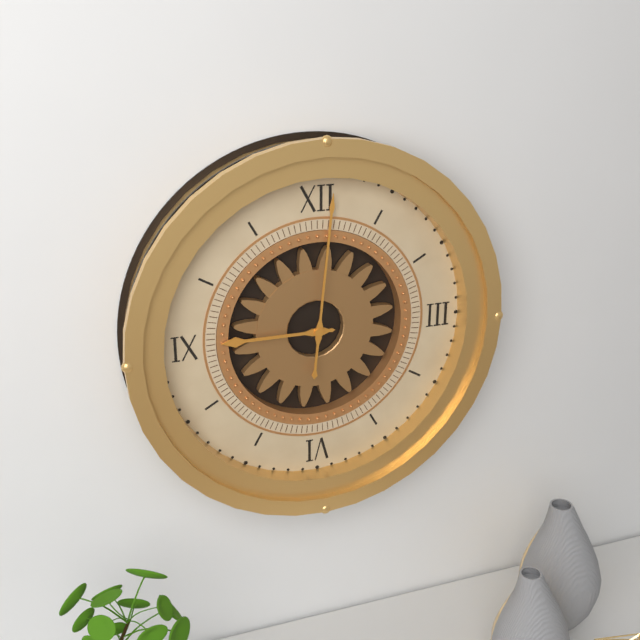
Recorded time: **9:01**
